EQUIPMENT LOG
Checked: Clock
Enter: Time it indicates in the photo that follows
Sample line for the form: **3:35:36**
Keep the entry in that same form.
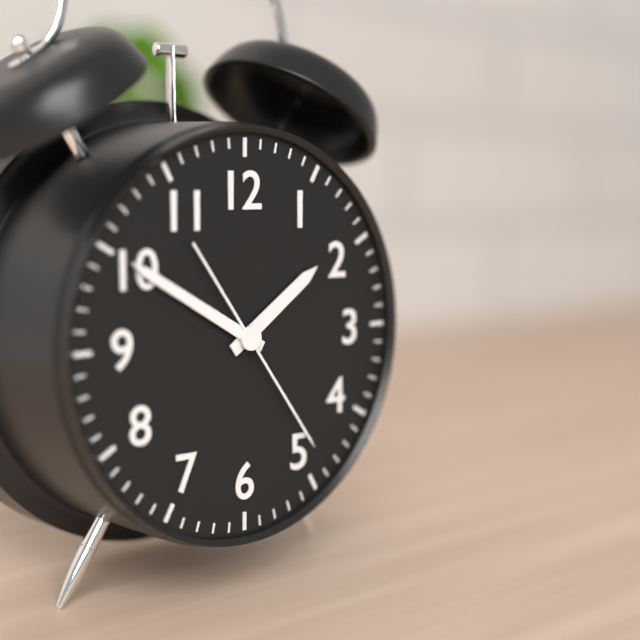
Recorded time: **1:50:24**
